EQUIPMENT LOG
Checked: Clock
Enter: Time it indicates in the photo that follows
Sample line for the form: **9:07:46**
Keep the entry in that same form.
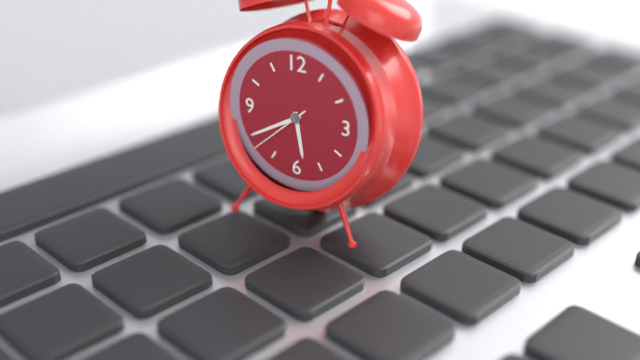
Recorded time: **5:40:38**
